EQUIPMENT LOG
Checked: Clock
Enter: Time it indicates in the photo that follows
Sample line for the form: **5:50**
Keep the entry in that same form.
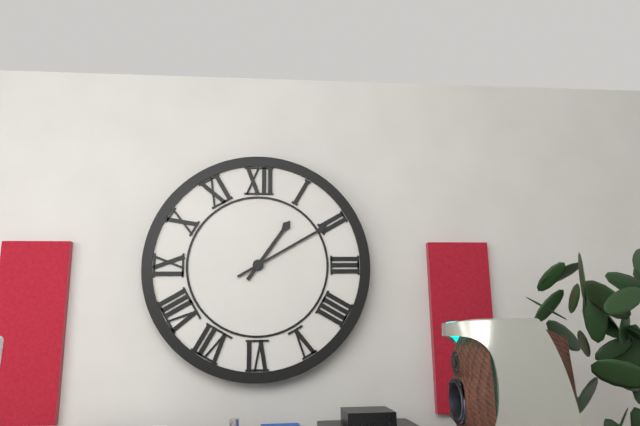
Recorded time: **1:10**
